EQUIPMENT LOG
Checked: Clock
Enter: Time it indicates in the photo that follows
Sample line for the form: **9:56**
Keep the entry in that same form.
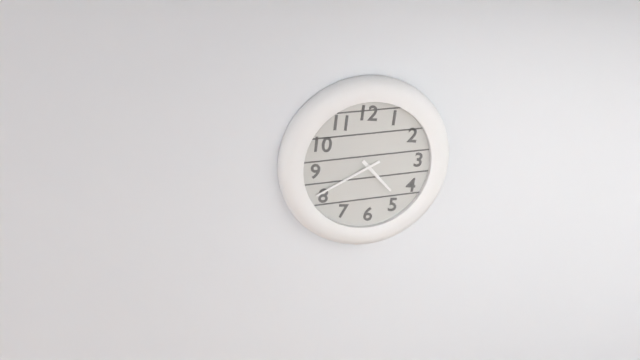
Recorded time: **4:41**
